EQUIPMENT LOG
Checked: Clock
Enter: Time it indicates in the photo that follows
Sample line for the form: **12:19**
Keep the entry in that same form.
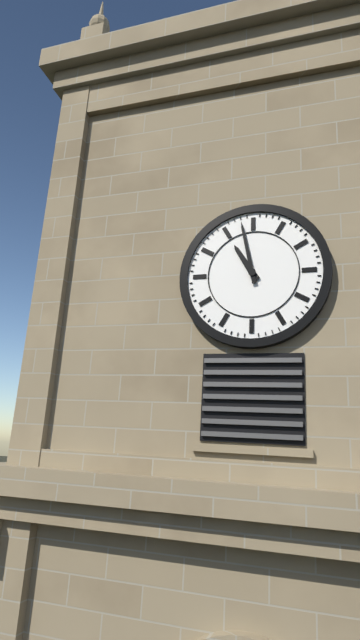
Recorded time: **10:58**
